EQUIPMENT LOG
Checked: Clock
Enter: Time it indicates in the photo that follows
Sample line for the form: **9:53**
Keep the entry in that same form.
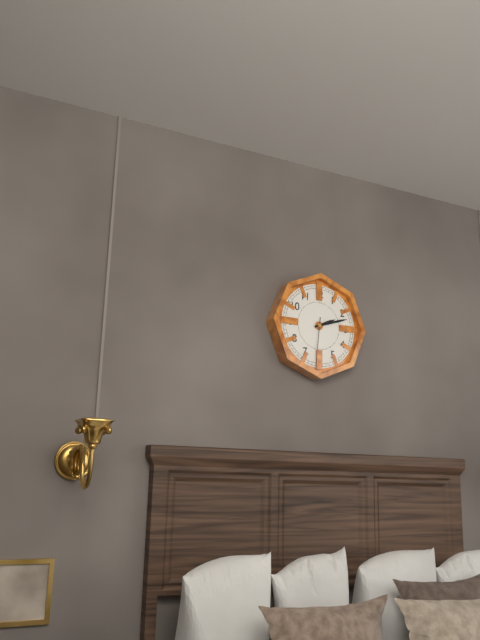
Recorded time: **2:12**
